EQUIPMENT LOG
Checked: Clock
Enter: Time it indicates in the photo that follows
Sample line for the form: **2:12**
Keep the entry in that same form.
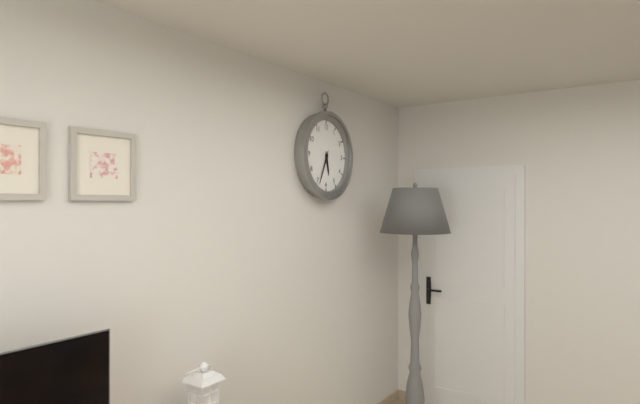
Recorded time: **5:34**
